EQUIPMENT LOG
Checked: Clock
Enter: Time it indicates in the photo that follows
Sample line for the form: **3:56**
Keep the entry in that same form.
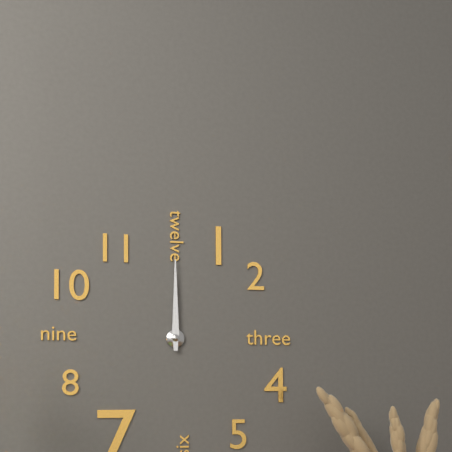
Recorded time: **12:00**
